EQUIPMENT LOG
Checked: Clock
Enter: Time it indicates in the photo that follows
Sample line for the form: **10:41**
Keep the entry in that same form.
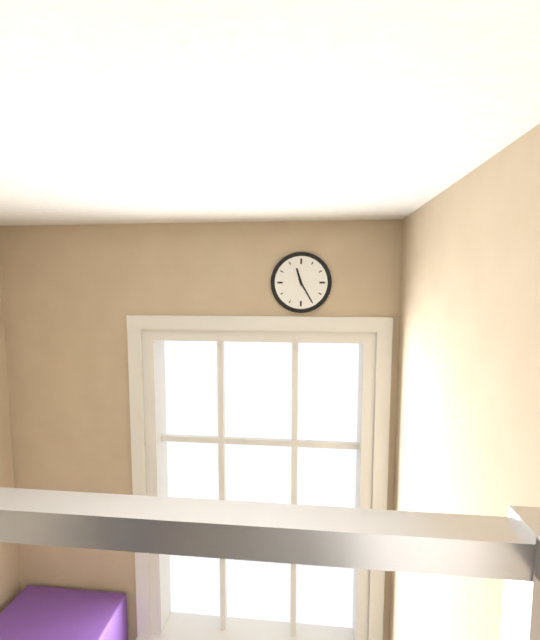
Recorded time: **11:25**
